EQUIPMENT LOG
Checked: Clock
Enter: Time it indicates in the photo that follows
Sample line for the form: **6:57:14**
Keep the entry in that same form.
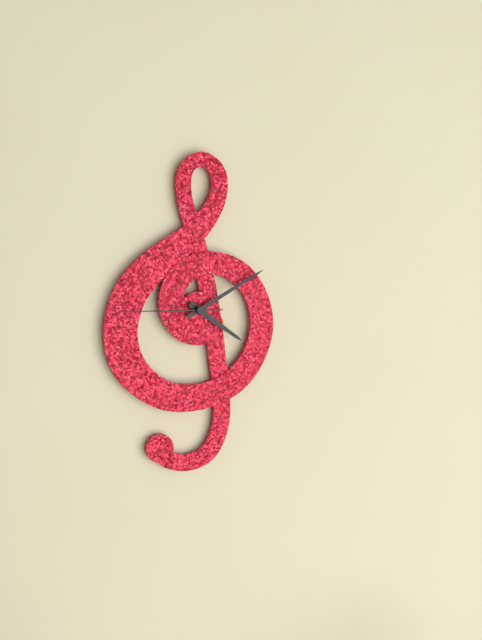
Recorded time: **4:10:45**
